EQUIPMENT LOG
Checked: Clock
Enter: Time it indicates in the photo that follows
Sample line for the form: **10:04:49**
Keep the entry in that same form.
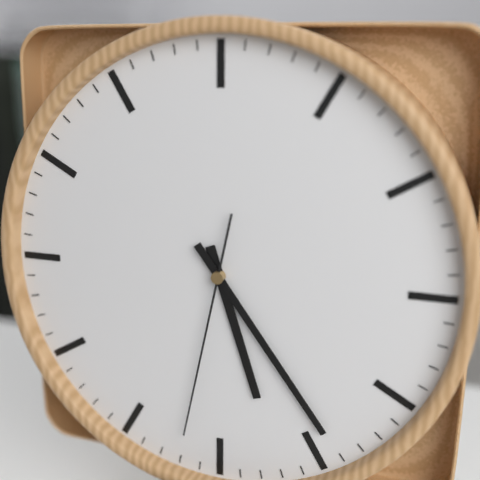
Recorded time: **5:24:32**
